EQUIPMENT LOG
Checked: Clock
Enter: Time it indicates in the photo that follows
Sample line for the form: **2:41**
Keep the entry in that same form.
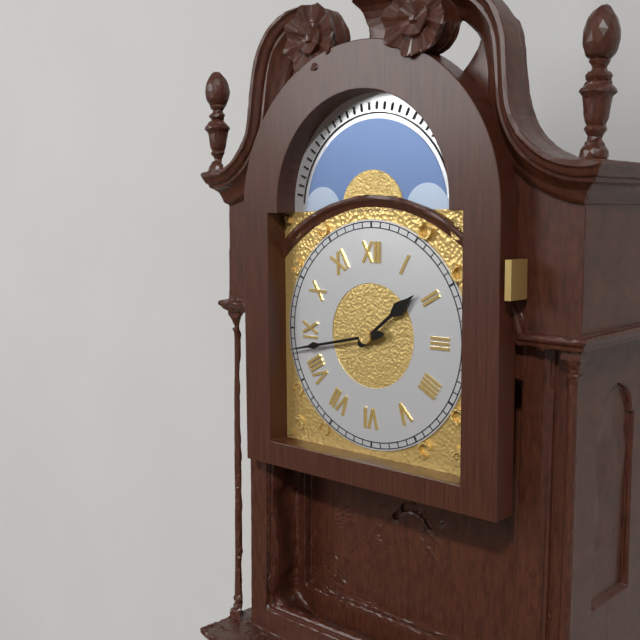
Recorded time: **1:43**
